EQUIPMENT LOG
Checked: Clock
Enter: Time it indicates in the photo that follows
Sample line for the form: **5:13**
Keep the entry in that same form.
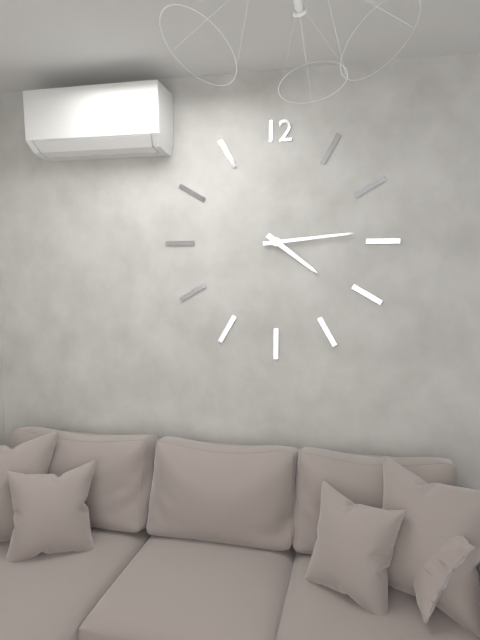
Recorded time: **4:14**
